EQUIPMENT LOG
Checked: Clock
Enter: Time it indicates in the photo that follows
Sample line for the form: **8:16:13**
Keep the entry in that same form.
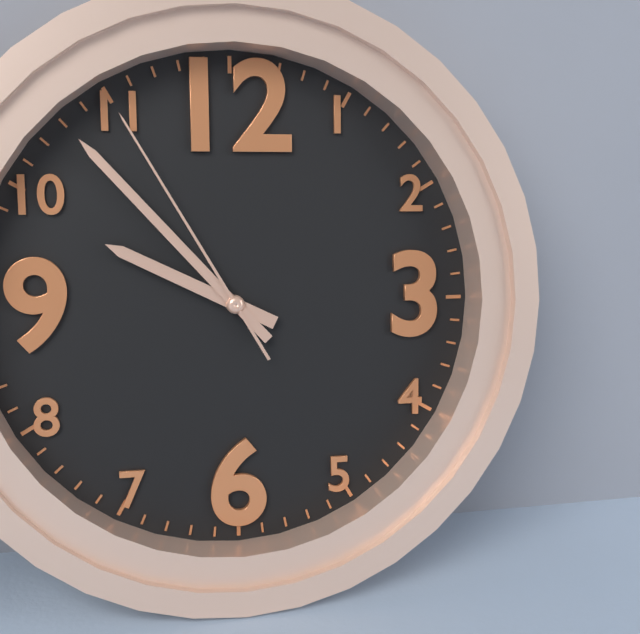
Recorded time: **9:53:55**
